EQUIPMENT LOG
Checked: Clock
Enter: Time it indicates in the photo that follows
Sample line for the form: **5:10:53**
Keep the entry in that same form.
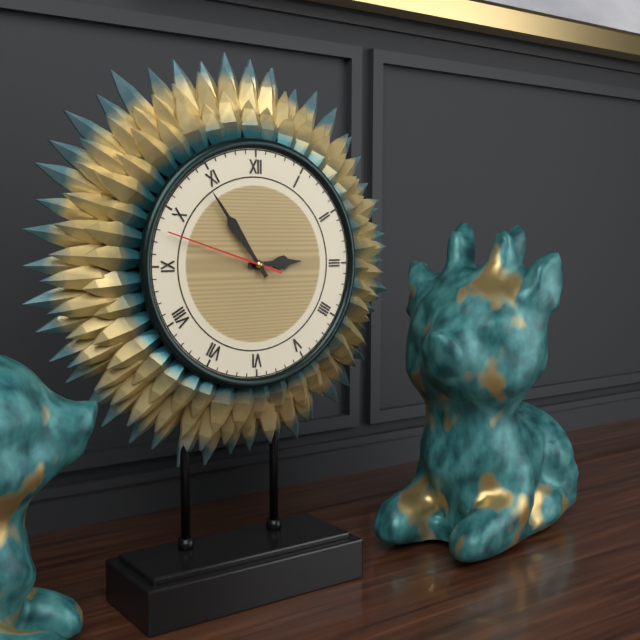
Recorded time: **2:54:48**
